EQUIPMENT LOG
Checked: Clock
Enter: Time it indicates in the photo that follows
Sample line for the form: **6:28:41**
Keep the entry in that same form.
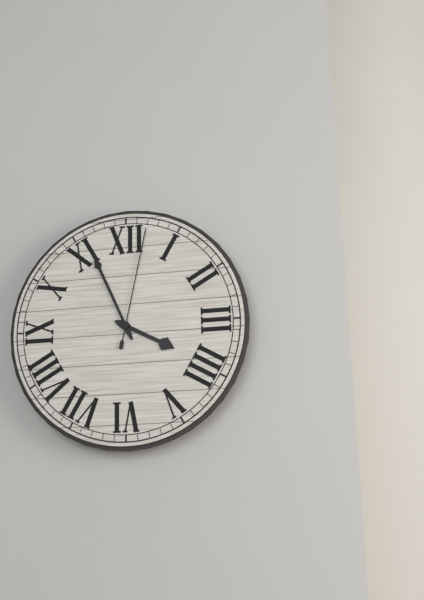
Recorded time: **3:56:02**
